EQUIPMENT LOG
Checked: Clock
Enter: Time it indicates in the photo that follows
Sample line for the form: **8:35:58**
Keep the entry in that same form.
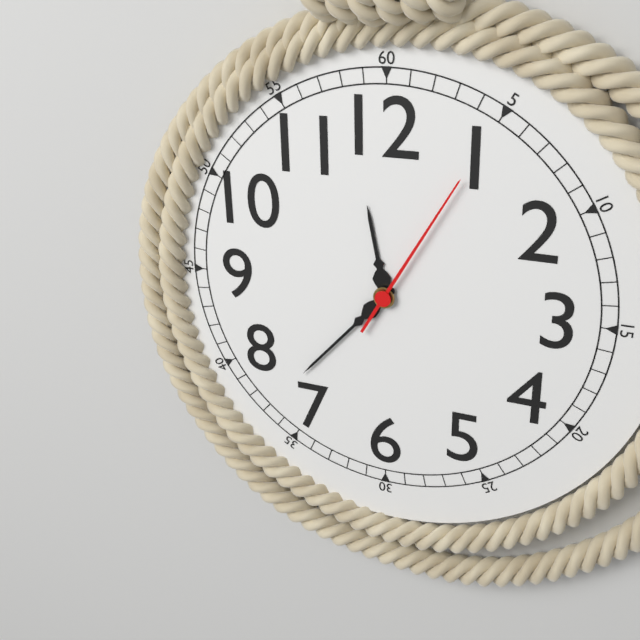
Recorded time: **11:37:05**
